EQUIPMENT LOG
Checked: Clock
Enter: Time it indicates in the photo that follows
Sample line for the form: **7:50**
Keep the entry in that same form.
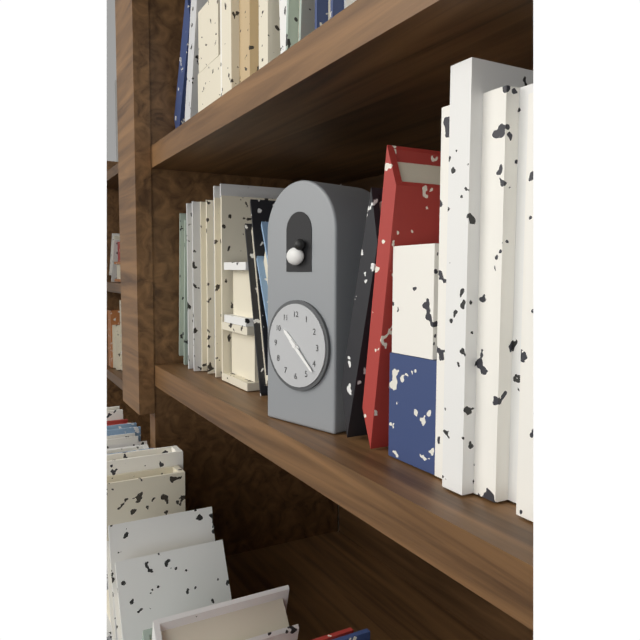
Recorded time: **10:22**
